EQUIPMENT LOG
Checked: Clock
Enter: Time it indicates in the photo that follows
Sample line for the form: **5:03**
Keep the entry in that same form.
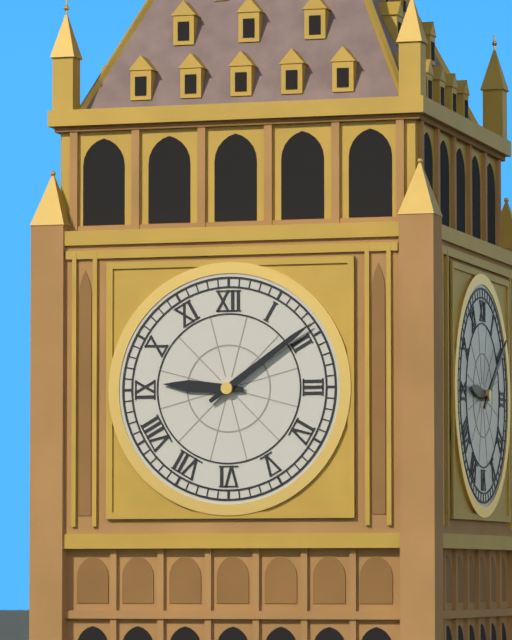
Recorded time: **9:09**
